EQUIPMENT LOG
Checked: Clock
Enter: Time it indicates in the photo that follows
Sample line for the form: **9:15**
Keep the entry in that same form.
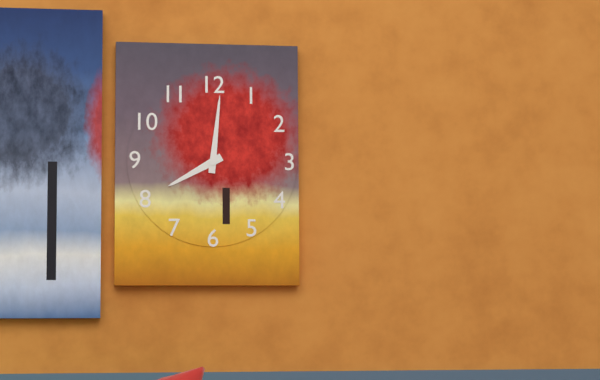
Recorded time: **8:01**
